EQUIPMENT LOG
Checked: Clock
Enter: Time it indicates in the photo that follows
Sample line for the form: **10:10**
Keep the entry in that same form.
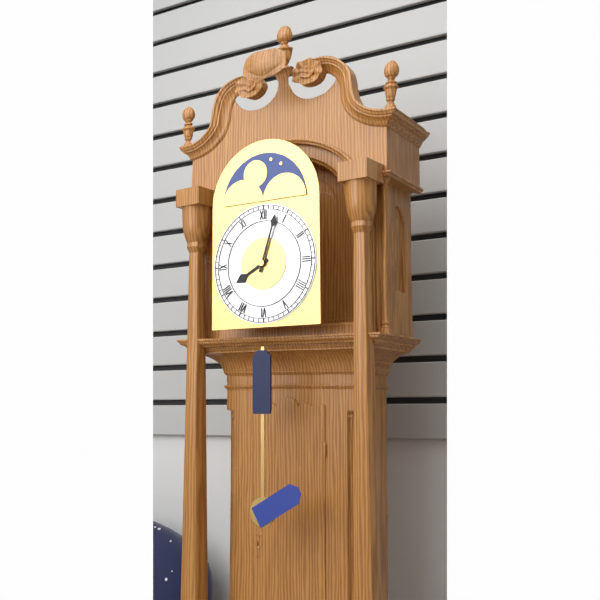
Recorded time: **8:03**
